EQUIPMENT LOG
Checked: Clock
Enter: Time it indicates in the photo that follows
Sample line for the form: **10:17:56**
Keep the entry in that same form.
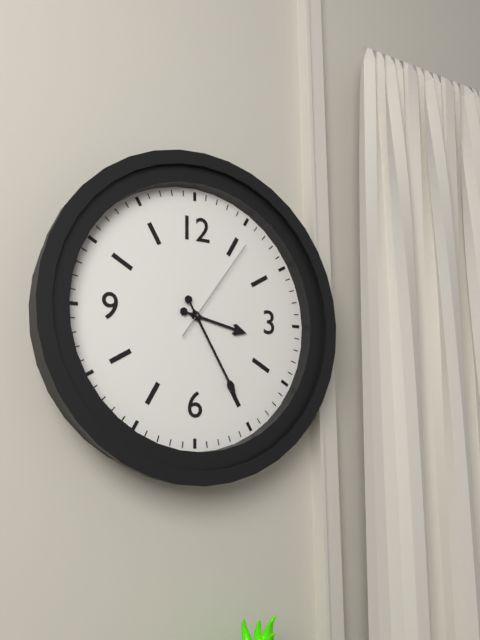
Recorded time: **3:25:06**
